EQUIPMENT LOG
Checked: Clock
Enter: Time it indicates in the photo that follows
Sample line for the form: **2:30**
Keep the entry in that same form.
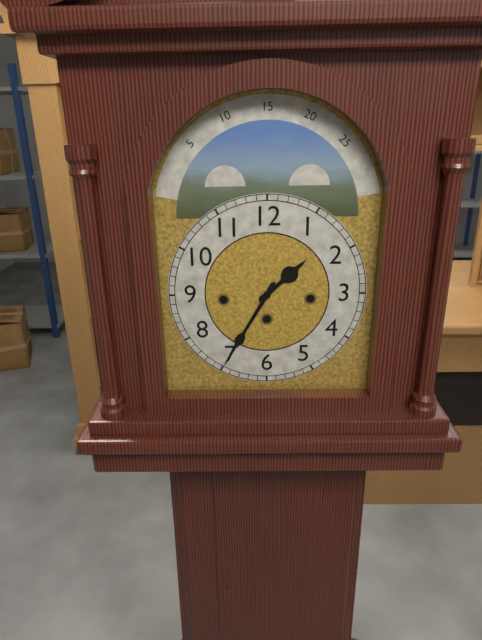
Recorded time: **1:35**
